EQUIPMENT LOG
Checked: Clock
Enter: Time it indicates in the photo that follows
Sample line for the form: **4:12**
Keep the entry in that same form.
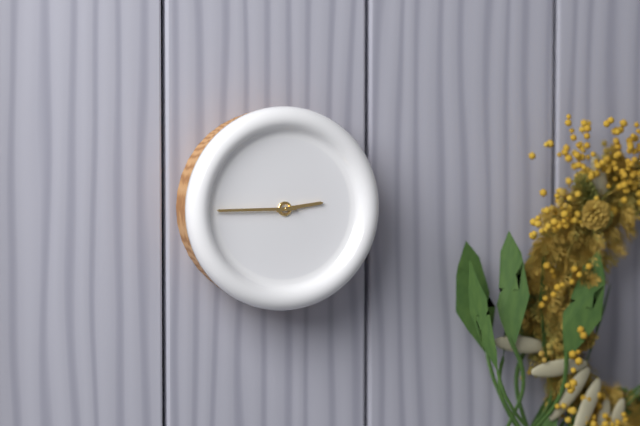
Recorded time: **2:45**
